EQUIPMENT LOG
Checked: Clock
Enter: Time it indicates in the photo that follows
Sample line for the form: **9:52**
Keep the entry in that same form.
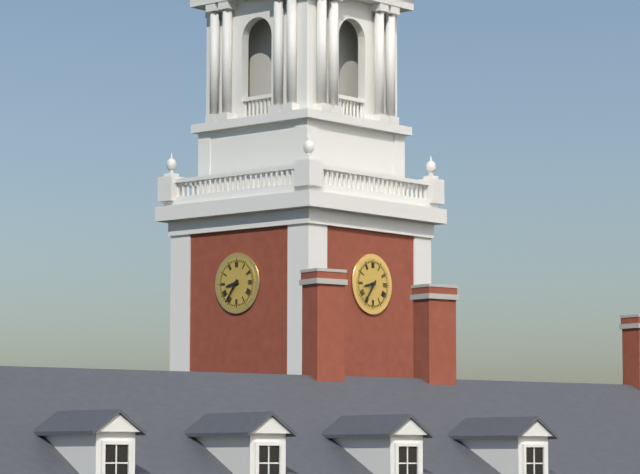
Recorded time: **8:36**
